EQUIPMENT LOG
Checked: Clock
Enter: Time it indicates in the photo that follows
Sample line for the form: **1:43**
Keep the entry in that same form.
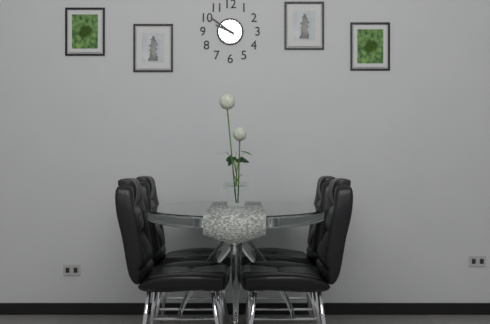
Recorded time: **9:51**
